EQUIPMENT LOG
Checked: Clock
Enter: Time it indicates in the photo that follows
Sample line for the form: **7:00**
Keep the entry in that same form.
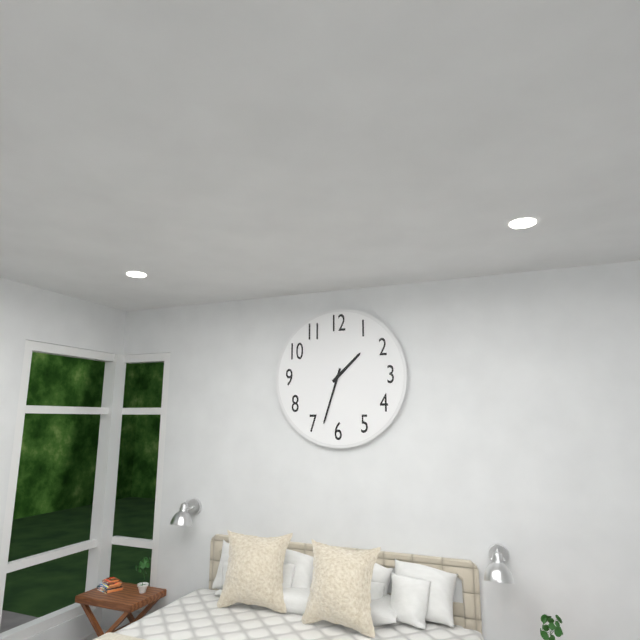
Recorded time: **1:33**
